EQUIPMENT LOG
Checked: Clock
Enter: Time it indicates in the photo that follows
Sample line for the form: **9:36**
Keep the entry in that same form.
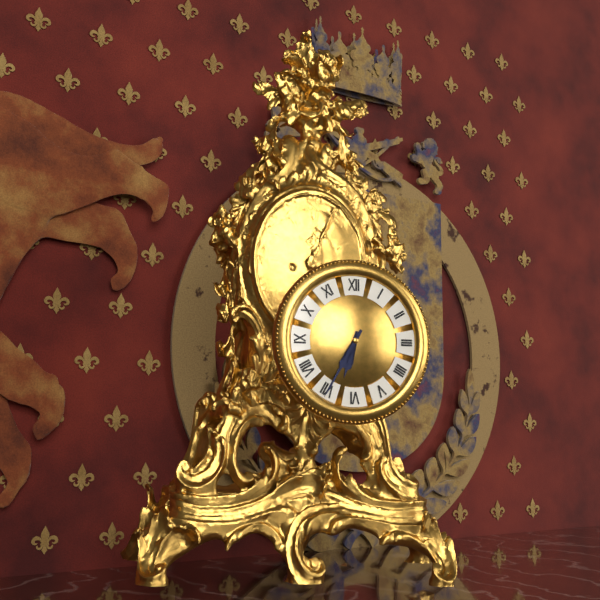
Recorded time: **6:35**
